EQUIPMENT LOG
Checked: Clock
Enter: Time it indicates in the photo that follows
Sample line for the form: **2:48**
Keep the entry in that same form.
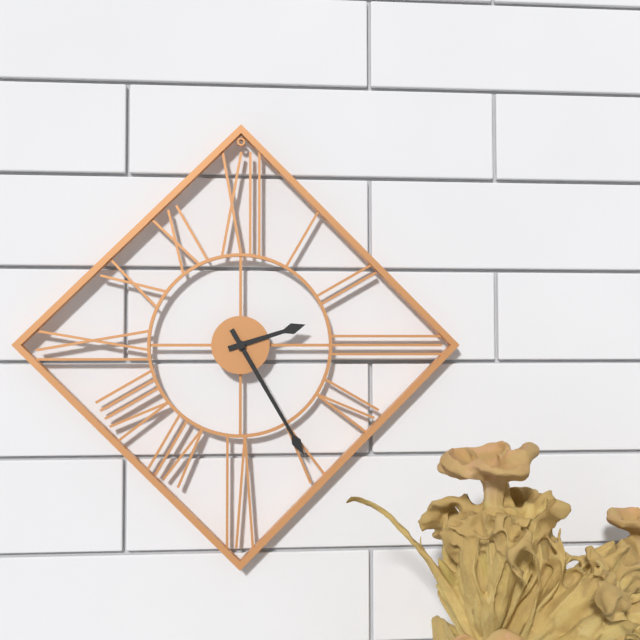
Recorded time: **2:25**
